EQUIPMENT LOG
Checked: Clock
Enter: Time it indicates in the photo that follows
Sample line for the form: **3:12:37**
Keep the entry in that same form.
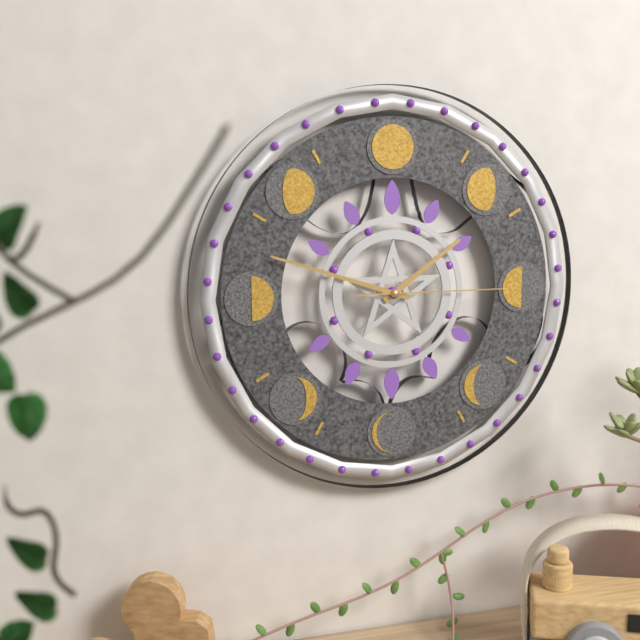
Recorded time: **1:48:15**
